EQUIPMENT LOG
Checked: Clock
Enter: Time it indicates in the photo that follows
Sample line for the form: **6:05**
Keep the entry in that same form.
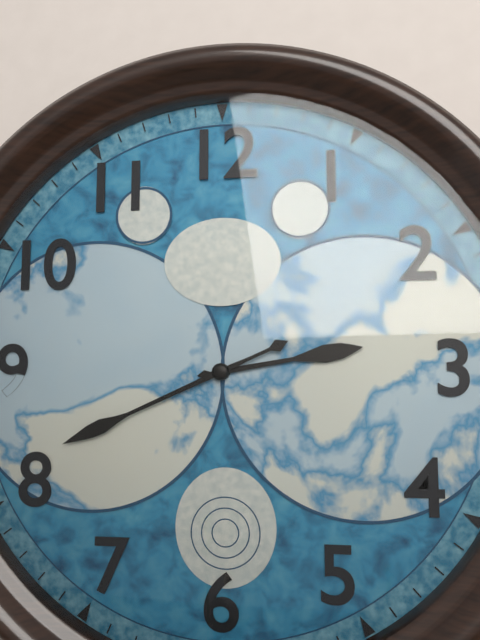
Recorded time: **2:41**
